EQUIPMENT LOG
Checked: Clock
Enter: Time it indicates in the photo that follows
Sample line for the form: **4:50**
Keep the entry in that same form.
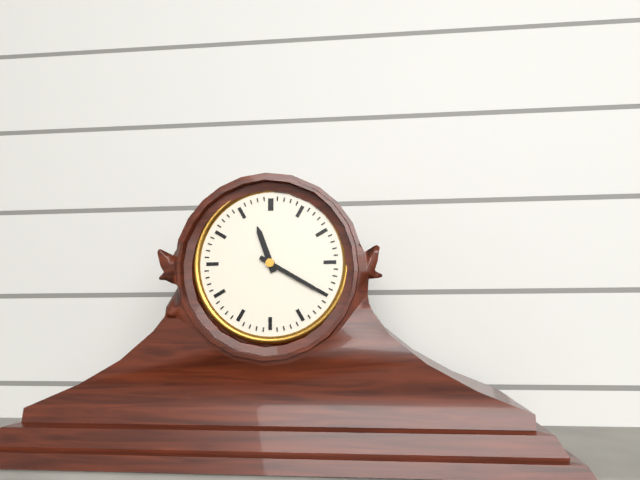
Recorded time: **11:20**
